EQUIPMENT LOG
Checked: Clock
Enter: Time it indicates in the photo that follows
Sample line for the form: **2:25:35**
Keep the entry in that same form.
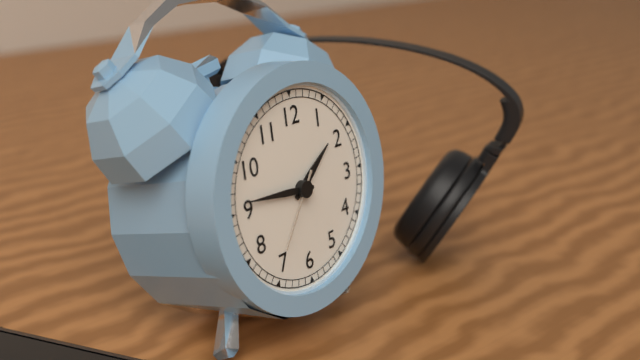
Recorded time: **1:46:36**
